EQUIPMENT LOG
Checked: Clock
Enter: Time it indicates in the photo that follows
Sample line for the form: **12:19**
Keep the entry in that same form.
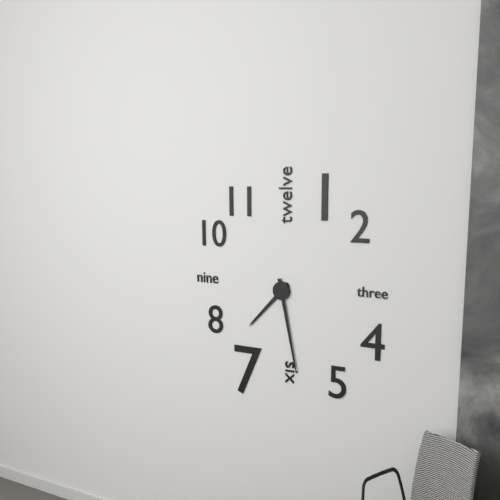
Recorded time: **7:28**
